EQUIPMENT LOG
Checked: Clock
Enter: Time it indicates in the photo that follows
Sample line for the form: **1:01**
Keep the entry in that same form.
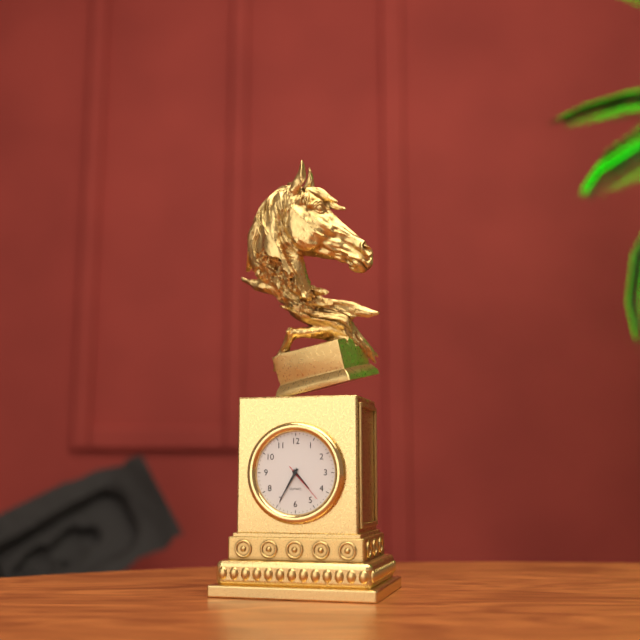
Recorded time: **4:35**
